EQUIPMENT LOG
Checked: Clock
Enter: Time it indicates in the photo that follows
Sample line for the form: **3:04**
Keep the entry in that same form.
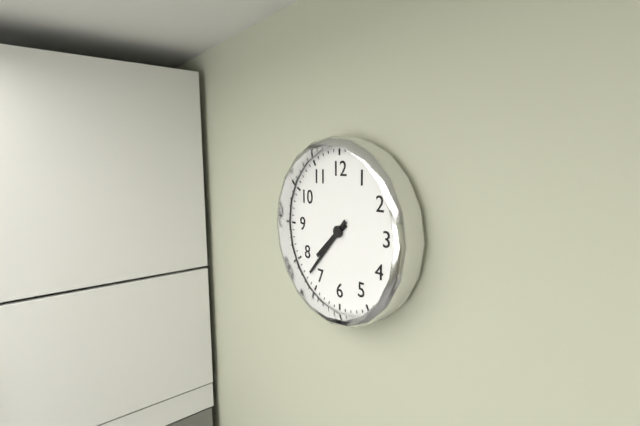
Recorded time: **7:37**
